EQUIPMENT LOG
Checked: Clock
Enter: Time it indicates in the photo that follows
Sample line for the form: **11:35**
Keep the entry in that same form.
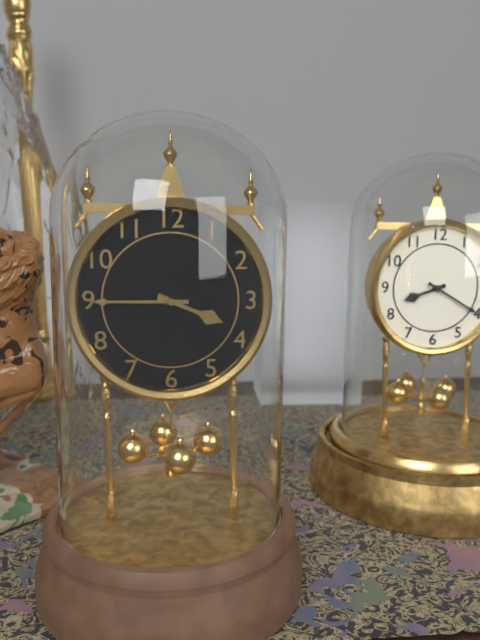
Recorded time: **3:45**
